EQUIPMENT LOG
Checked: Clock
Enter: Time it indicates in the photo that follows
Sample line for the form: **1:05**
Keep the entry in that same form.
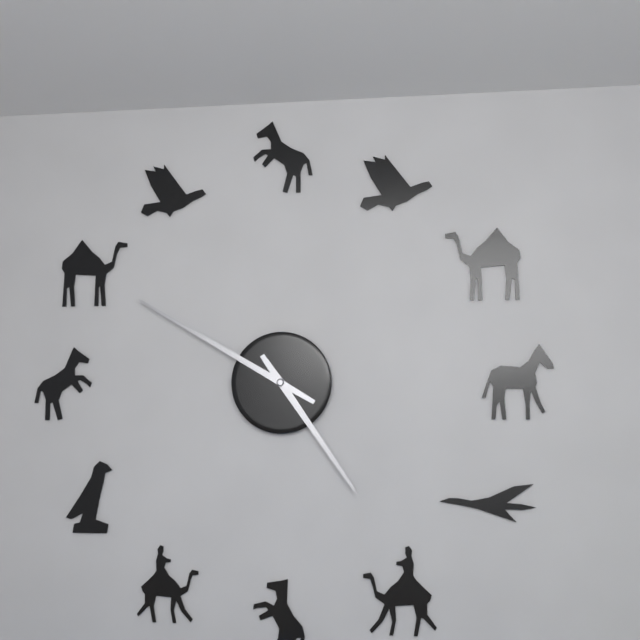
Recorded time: **4:50**
